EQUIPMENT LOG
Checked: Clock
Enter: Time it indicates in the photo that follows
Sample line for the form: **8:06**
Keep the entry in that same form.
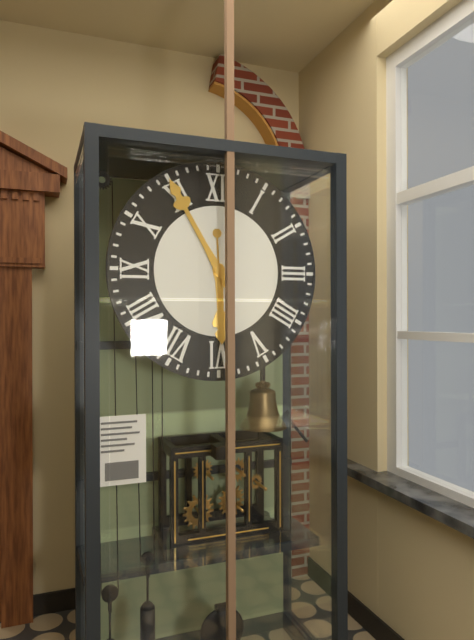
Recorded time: **5:55**
